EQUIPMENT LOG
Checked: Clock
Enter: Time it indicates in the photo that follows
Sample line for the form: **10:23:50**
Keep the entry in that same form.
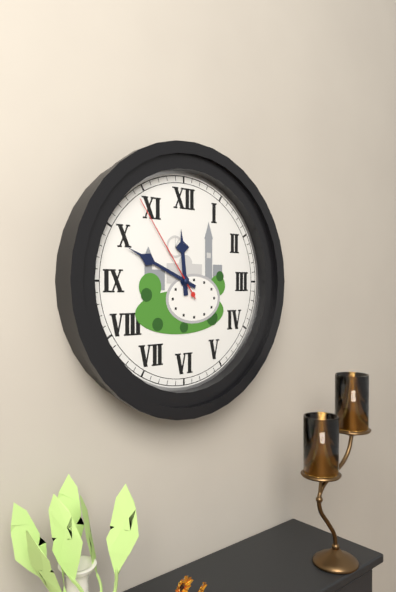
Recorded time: **11:49:54**
